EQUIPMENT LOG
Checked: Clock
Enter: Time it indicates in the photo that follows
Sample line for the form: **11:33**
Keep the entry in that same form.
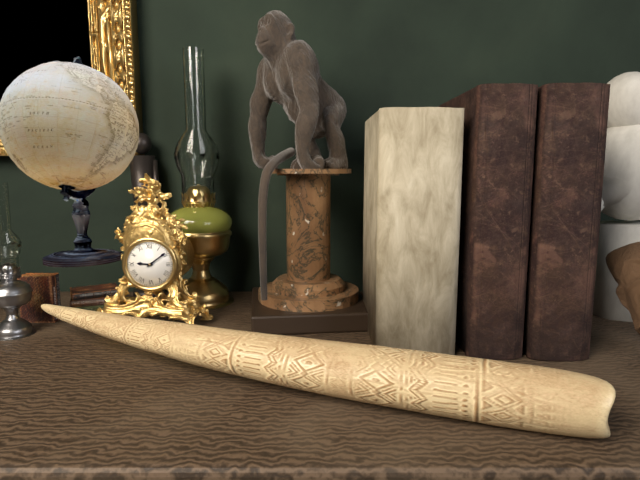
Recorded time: **9:09**
